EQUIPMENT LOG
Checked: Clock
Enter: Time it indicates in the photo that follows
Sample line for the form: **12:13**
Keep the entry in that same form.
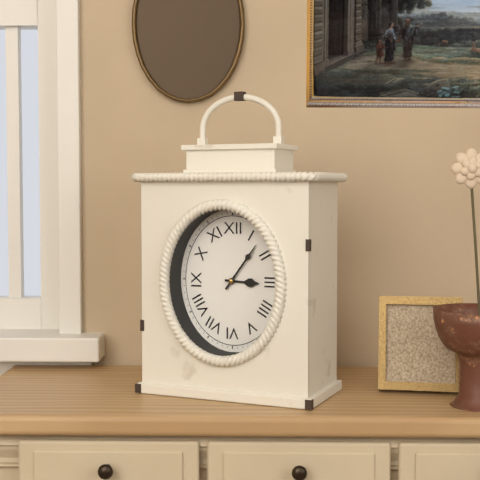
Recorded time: **3:06**
